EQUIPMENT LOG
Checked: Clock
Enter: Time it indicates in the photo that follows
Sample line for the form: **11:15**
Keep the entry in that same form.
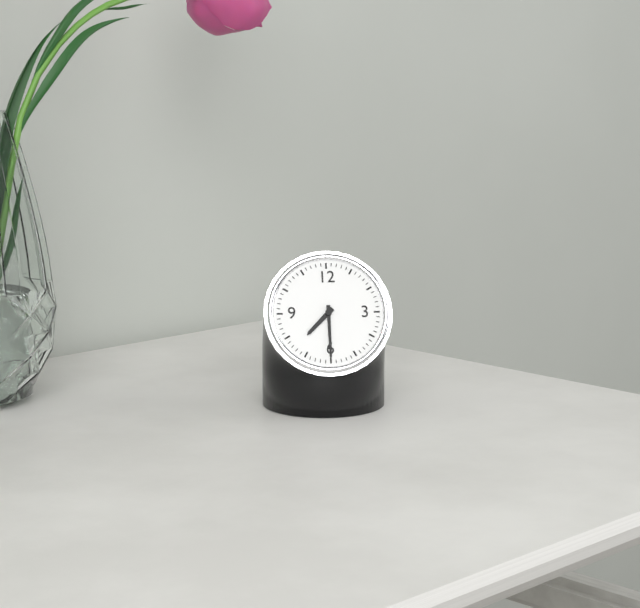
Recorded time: **7:30**
